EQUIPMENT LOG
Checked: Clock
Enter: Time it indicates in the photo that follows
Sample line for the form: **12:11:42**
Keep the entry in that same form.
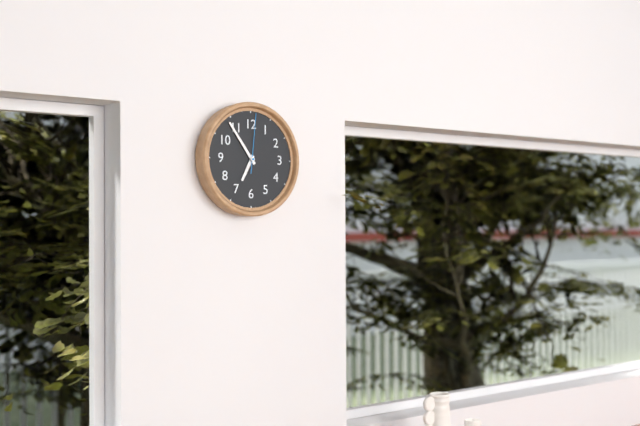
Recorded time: **6:54:01**
